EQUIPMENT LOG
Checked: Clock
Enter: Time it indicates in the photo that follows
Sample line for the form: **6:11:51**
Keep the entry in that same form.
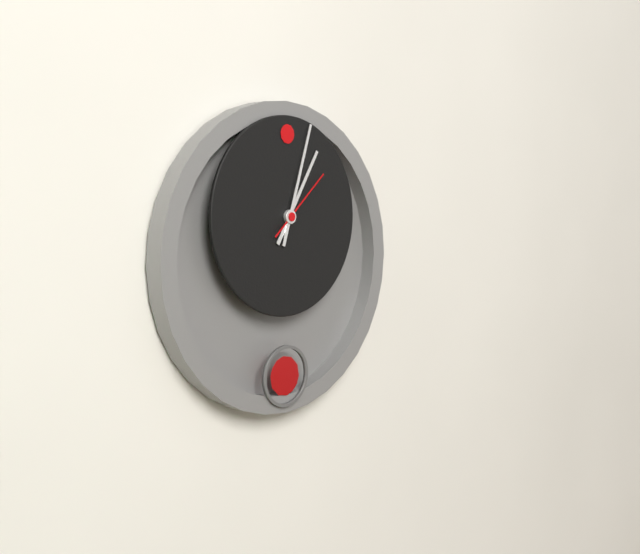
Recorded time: **1:03:08**
